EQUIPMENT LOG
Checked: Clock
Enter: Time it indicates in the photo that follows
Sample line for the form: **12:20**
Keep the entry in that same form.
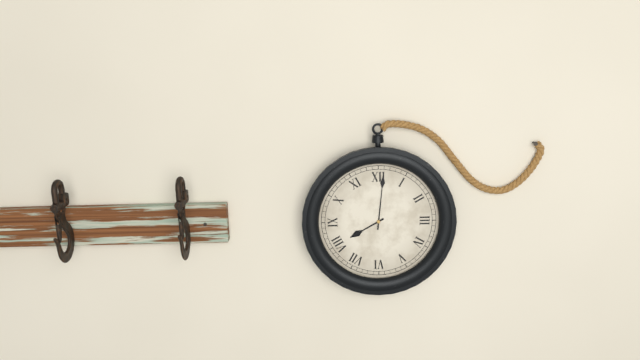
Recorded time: **8:01**
